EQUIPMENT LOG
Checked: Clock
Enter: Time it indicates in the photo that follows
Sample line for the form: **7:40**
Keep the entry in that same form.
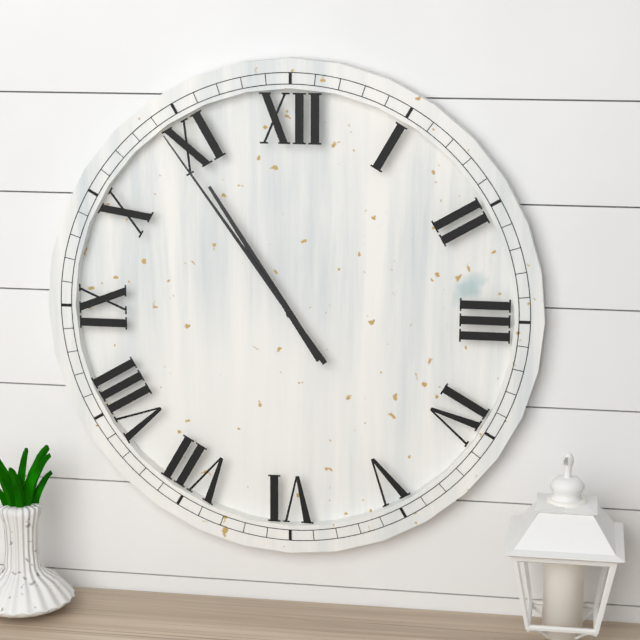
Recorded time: **10:54**
